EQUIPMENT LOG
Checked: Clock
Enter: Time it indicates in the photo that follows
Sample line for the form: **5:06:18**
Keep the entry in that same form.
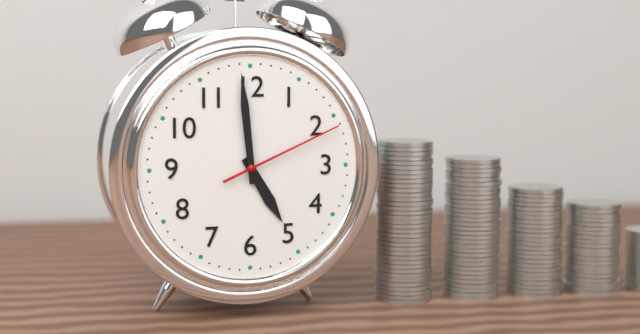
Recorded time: **4:59:11**
